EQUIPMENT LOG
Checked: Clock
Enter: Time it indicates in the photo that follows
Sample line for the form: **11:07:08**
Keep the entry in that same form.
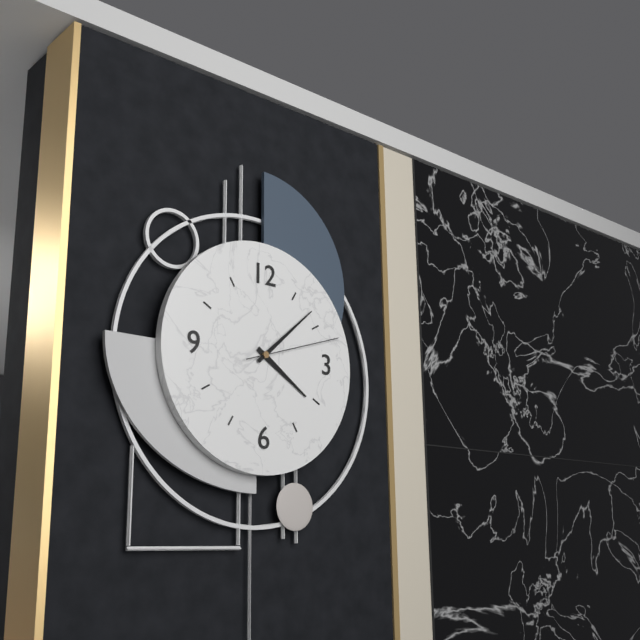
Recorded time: **4:08:12**
